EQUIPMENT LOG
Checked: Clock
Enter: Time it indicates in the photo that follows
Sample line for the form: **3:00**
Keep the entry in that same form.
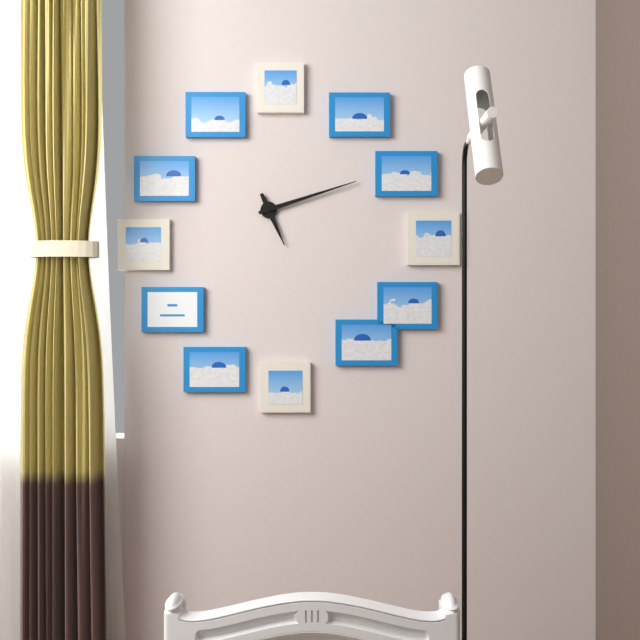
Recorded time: **5:12**
